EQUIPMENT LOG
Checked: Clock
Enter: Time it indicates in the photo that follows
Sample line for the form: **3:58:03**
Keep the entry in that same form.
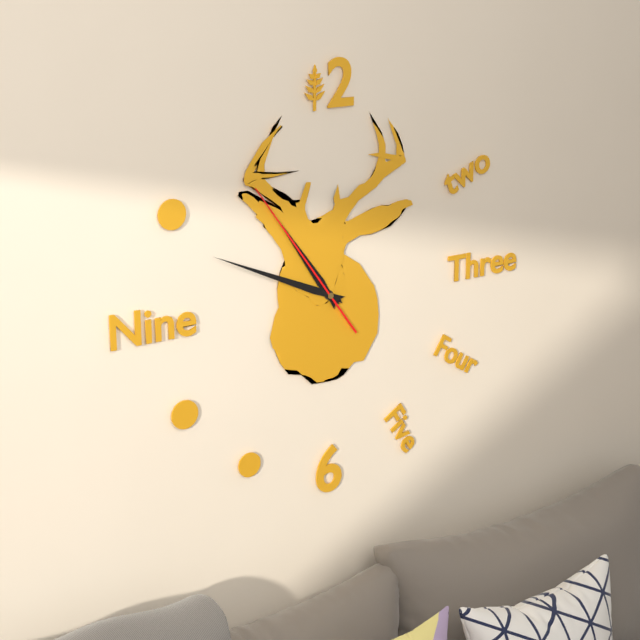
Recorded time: **10:49:54**
